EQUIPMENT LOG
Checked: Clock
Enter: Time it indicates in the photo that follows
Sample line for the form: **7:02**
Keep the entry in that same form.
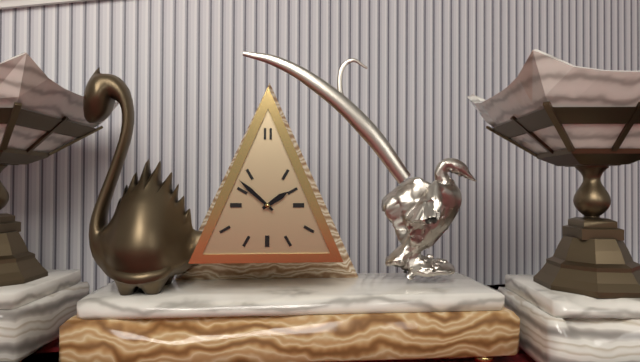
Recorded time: **1:52**
